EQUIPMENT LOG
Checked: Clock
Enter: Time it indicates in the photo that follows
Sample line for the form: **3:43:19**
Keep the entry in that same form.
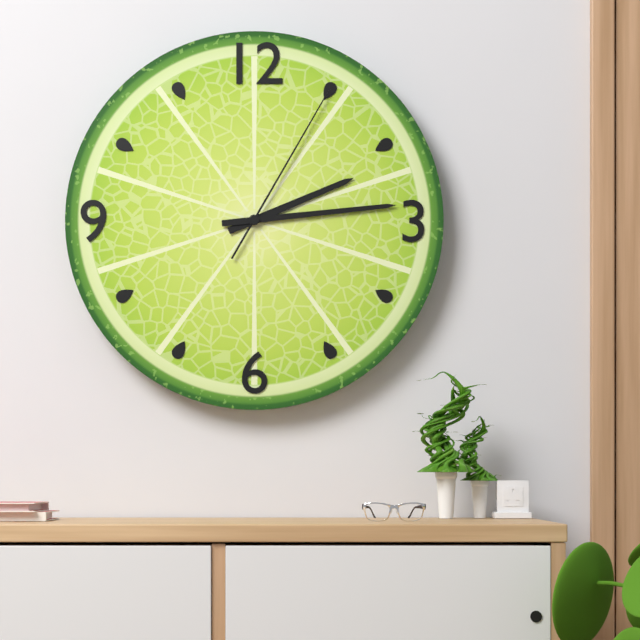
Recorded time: **2:14:05**
